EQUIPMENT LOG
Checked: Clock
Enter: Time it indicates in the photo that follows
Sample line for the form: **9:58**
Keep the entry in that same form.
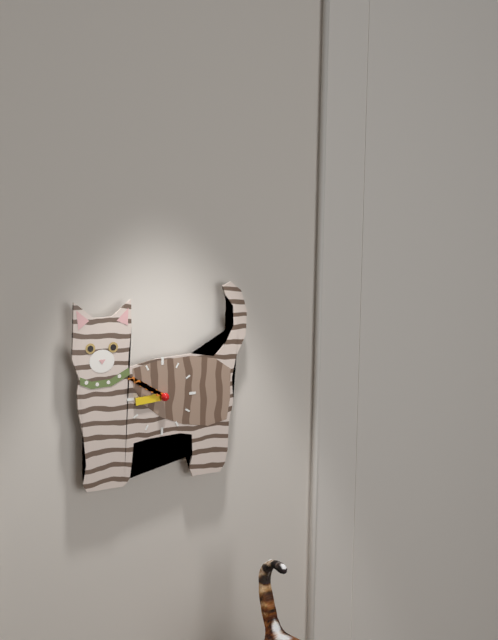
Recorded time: **8:50**
